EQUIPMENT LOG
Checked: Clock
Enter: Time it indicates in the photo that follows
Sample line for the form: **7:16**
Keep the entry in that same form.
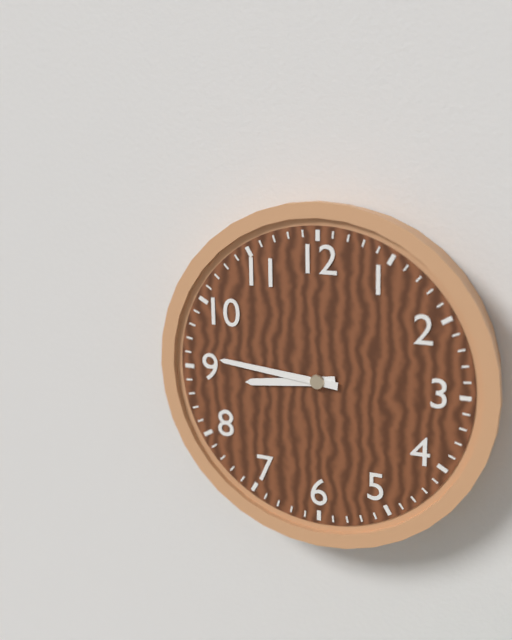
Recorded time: **8:46**
